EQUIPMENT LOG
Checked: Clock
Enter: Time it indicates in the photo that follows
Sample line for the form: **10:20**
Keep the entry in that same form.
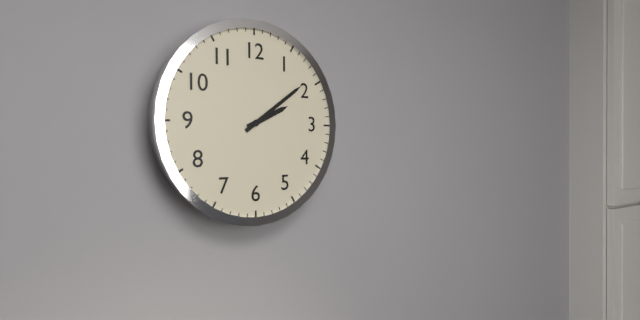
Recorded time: **2:09**
